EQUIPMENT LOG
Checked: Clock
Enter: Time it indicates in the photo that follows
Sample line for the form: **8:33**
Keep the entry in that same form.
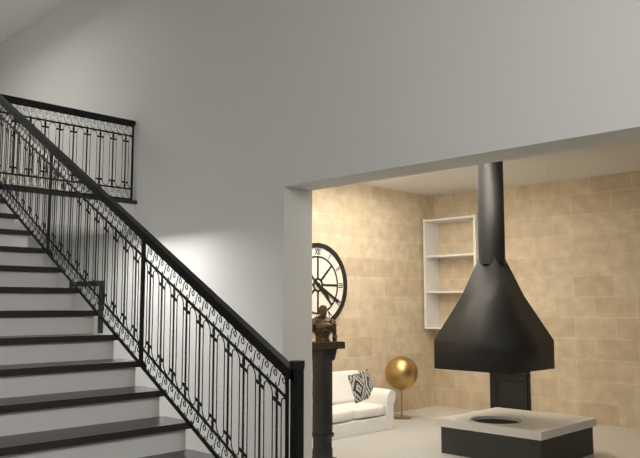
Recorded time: **4:20**
